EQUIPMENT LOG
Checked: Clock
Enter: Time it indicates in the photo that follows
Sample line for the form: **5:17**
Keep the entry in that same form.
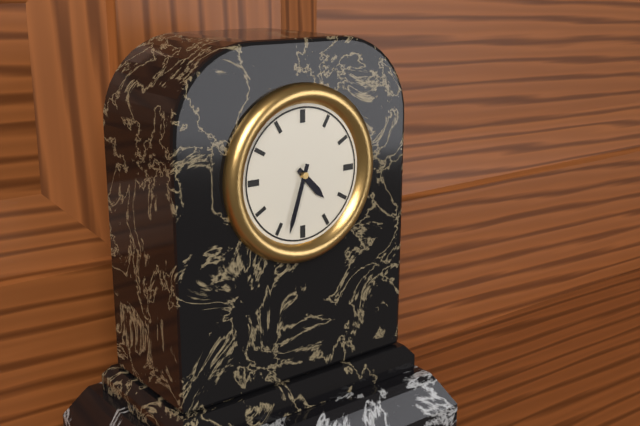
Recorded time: **4:33**
